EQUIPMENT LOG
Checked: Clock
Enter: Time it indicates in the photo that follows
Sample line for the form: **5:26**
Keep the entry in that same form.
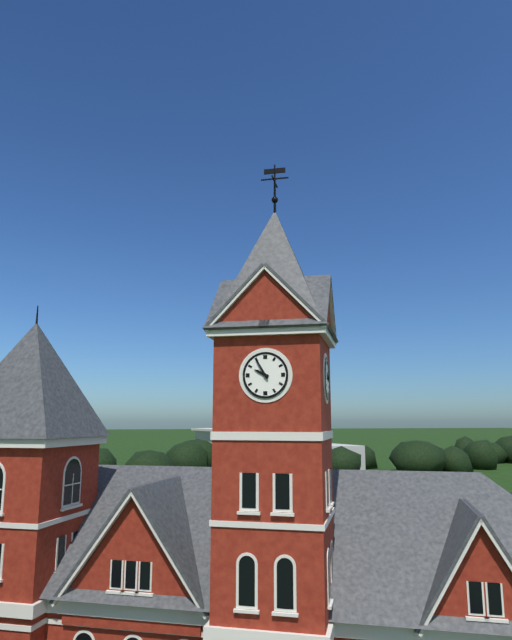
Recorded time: **9:55**
